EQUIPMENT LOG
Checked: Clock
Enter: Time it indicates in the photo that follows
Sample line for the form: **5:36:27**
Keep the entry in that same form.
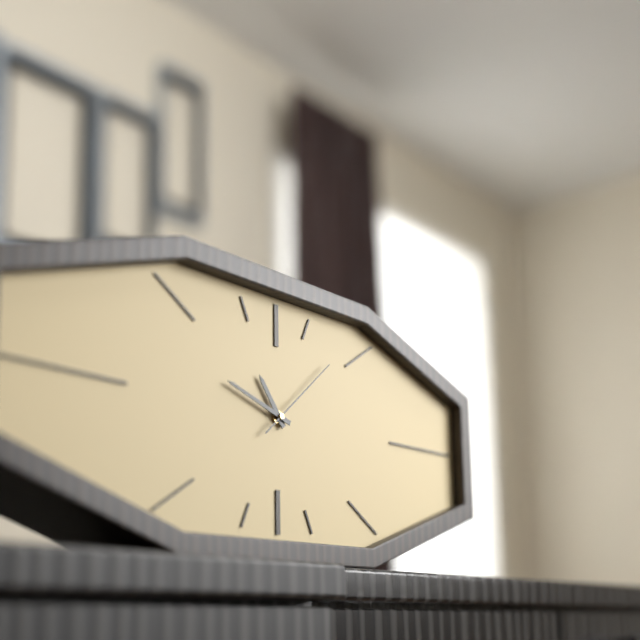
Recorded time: **10:48:08**
